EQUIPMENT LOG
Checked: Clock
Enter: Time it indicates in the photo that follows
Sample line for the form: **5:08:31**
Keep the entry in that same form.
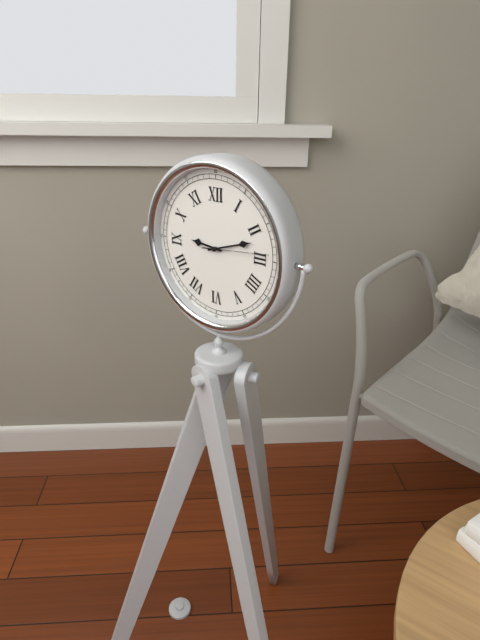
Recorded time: **9:12:14**
